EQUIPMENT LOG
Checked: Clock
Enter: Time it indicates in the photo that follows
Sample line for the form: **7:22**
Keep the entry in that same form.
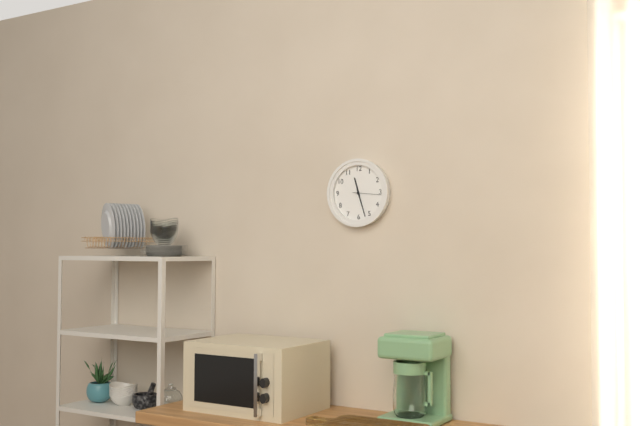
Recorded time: **11:27**
